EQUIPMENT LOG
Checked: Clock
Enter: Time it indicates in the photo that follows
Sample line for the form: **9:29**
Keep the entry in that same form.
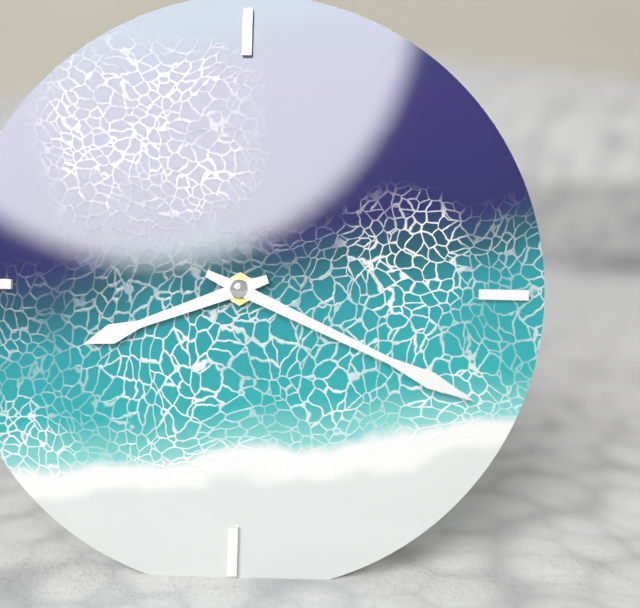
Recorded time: **8:19**
